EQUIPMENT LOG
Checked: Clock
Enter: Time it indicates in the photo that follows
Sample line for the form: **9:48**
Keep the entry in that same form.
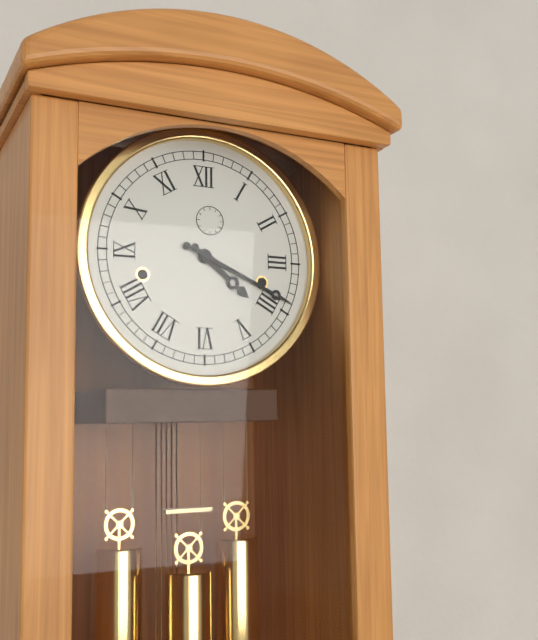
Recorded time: **4:19**
